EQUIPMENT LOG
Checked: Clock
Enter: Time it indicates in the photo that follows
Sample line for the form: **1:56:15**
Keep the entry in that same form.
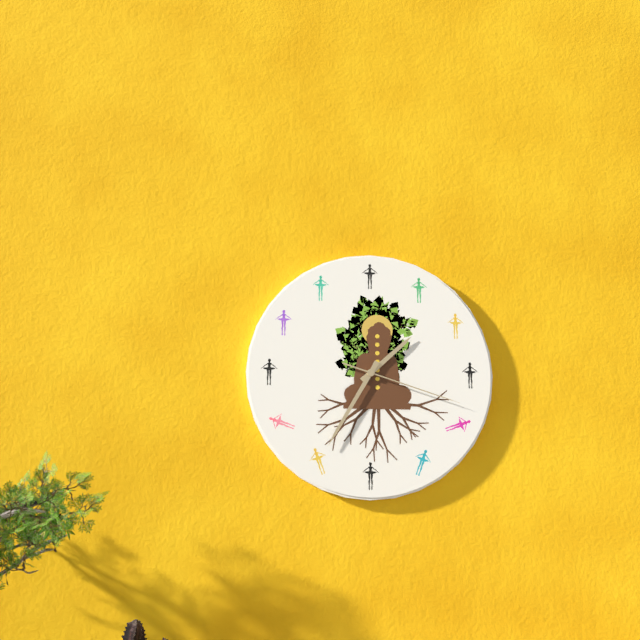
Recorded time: **1:35:18**
